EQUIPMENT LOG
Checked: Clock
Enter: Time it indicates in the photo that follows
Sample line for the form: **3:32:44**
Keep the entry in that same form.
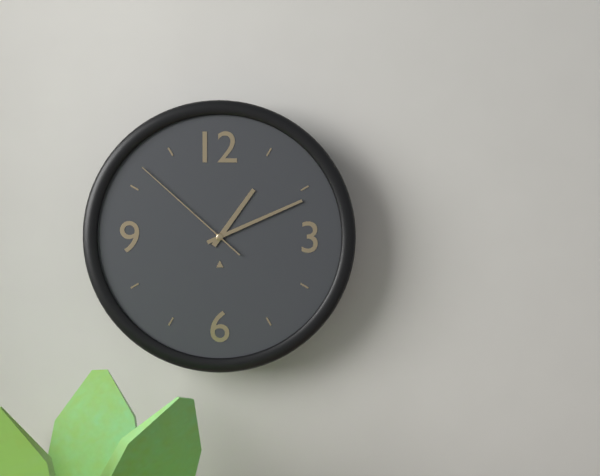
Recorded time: **1:11:52**
